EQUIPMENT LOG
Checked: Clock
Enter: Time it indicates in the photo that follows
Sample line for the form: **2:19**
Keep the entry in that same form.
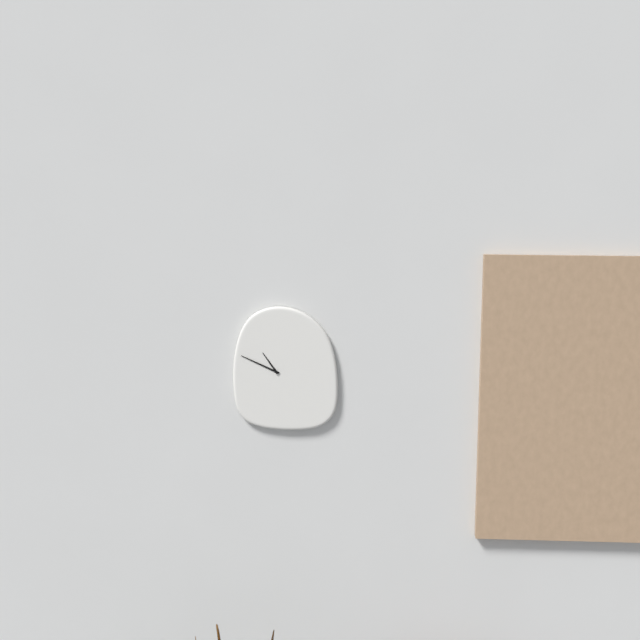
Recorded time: **10:49**
